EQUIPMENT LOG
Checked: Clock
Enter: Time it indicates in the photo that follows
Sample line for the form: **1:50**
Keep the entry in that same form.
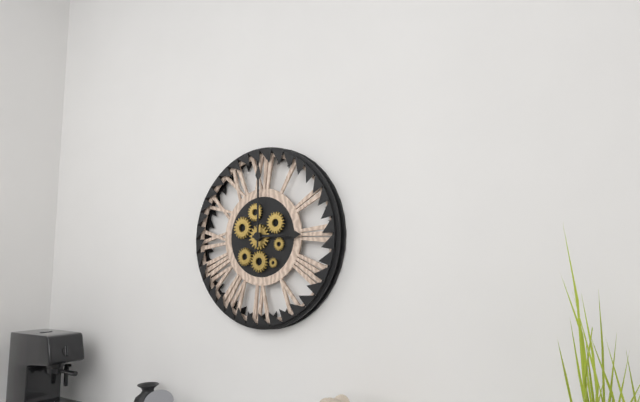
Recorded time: **3:00**
